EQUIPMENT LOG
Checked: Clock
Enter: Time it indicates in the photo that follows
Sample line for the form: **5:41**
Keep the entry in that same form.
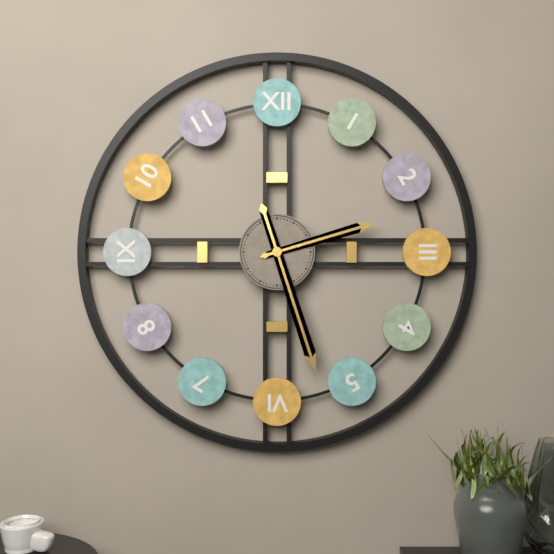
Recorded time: **2:27**
